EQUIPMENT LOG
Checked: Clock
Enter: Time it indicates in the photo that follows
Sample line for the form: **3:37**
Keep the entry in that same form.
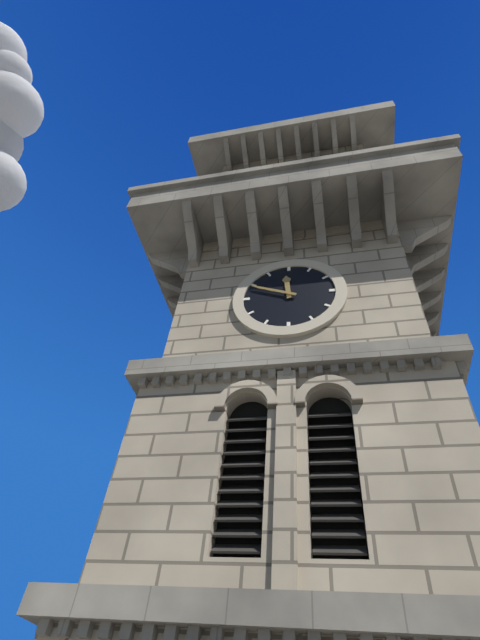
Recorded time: **11:49**
